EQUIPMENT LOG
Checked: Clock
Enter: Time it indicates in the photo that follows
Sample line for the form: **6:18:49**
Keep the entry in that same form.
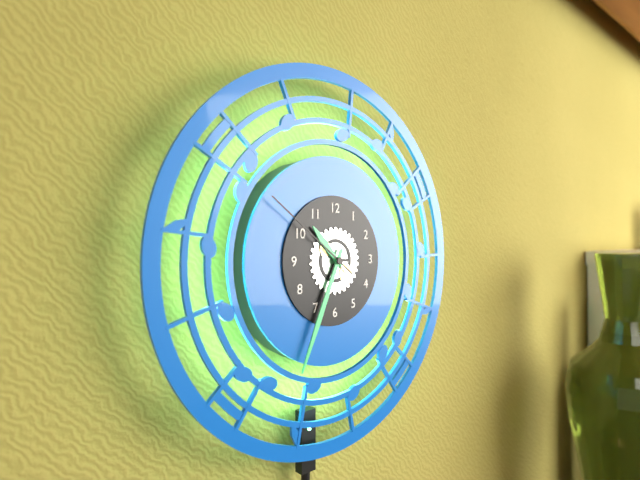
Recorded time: **10:34:51**
